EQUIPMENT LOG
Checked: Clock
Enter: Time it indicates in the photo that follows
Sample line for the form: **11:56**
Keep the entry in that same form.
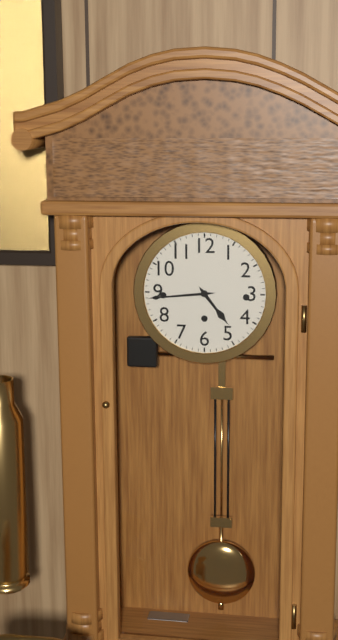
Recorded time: **4:44**
